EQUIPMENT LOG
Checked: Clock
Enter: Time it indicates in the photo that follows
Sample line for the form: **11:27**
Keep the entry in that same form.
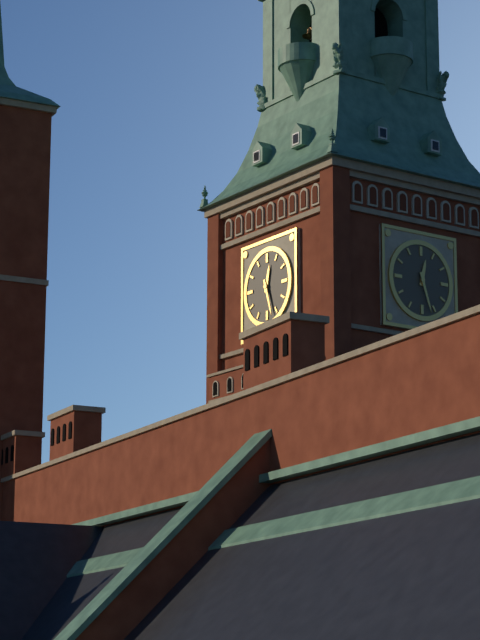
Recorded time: **12:27**
